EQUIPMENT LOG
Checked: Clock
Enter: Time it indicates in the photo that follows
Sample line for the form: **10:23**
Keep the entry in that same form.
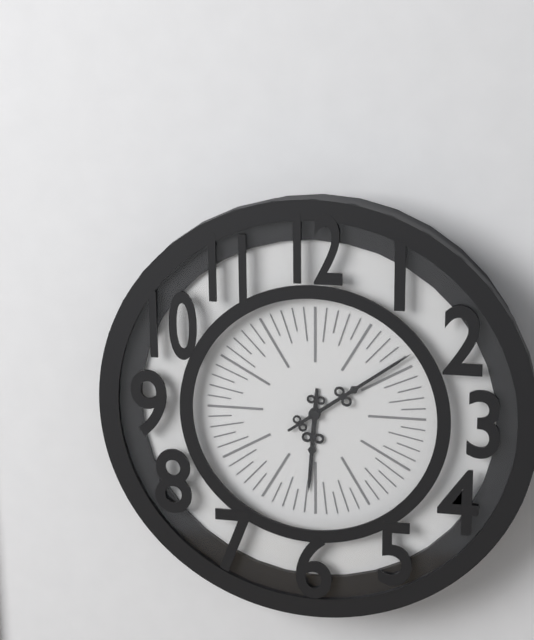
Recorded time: **6:09**
